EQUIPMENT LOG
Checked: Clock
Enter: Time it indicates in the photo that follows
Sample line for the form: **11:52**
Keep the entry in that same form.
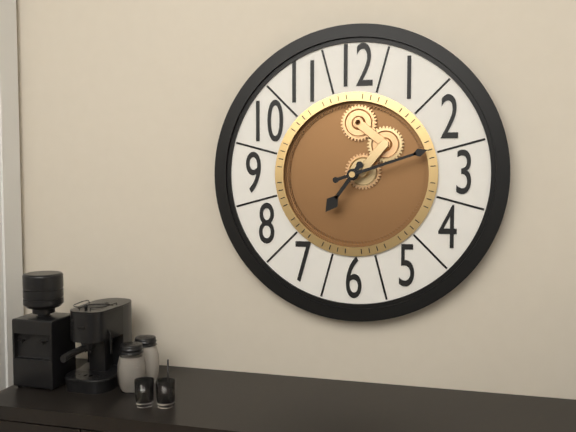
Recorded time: **7:12**
